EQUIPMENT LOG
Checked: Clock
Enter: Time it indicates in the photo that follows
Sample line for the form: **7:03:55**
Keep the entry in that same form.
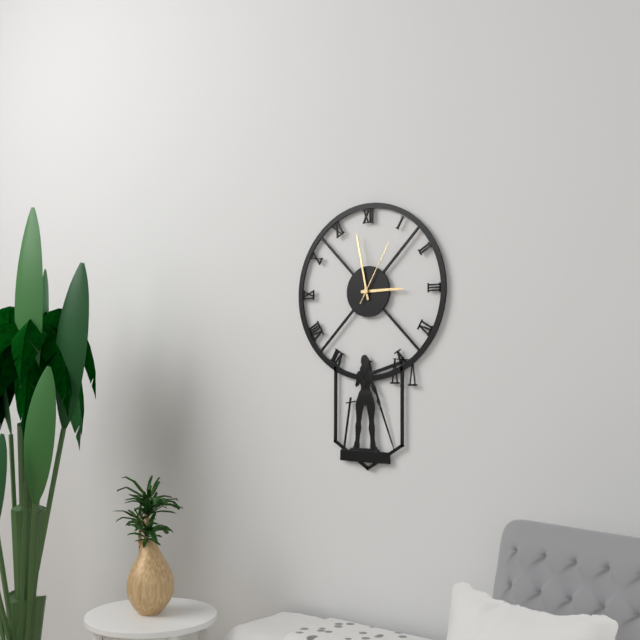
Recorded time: **2:58:05**
